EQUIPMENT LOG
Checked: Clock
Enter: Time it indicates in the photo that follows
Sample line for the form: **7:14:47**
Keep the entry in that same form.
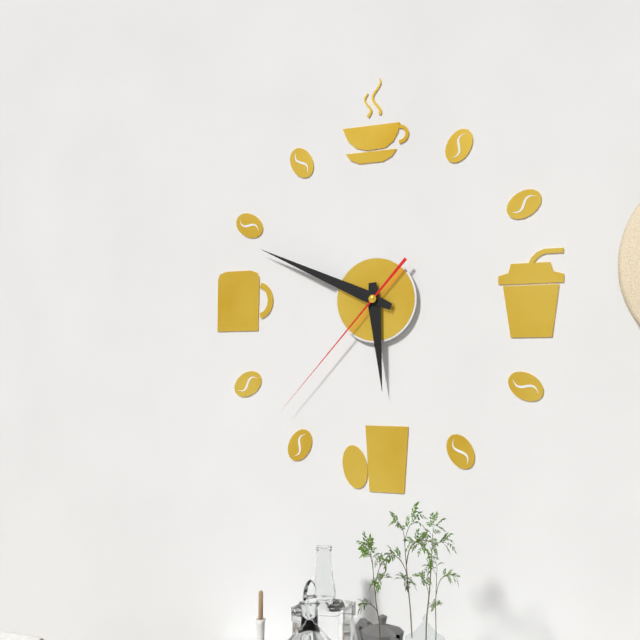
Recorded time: **5:49:37**
